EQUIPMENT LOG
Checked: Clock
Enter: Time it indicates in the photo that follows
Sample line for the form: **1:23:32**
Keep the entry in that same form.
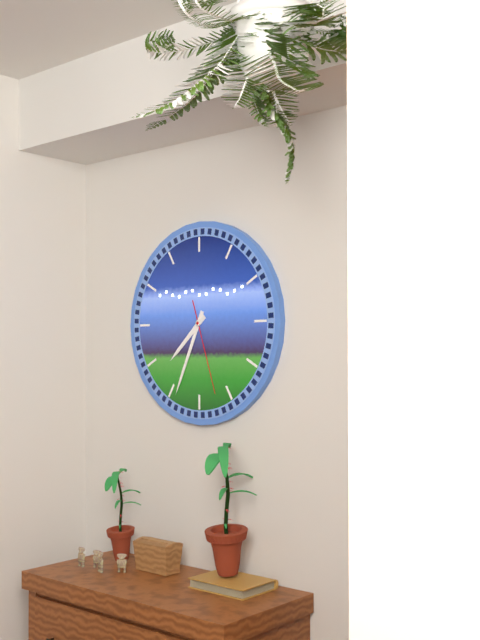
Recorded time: **7:34:27**
